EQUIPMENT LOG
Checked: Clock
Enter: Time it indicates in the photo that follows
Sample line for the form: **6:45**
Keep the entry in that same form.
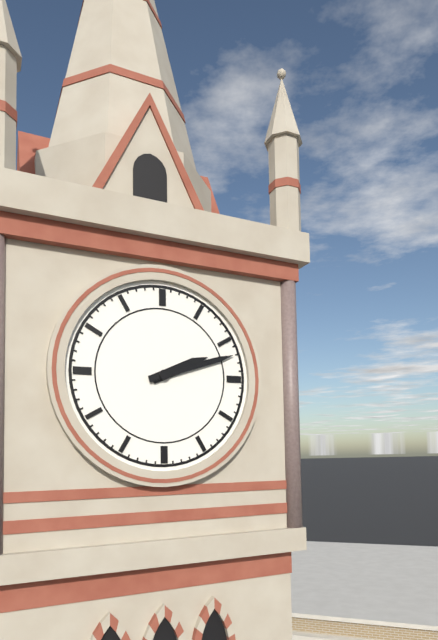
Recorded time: **2:12**
